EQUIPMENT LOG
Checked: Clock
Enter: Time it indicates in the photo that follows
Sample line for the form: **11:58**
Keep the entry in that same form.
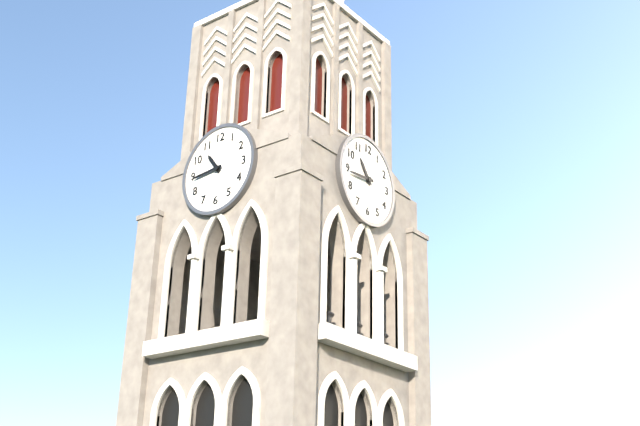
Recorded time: **10:44**
